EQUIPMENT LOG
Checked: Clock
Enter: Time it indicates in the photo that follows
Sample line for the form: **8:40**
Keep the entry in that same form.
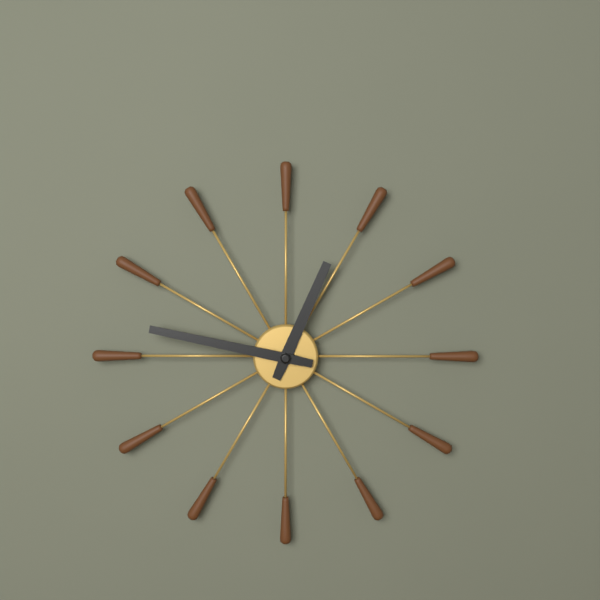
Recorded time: **12:47**
